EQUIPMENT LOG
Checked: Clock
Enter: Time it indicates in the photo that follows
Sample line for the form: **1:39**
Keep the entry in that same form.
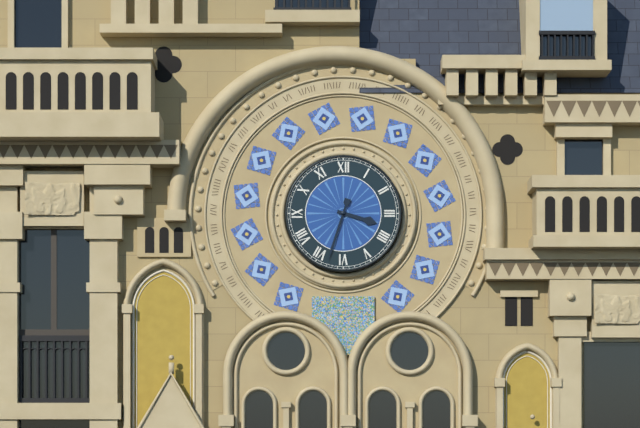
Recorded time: **3:33**
